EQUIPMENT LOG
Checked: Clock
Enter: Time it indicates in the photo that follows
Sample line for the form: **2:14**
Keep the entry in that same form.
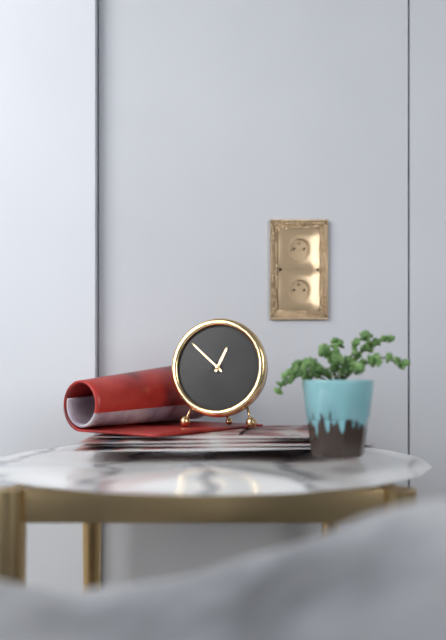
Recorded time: **12:52**
